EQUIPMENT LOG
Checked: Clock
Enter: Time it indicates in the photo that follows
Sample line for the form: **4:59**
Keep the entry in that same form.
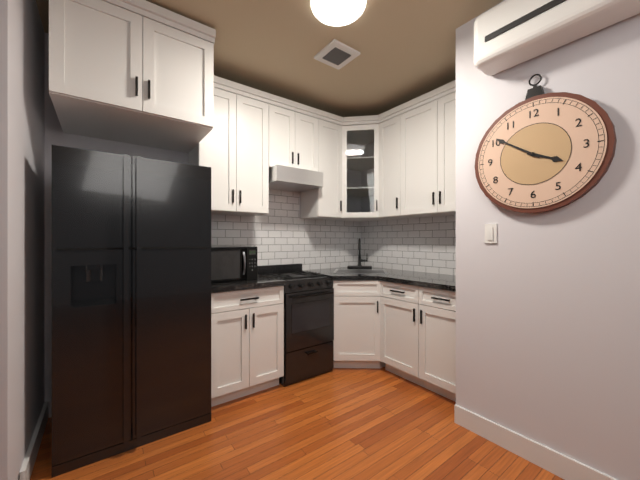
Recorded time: **3:51**
